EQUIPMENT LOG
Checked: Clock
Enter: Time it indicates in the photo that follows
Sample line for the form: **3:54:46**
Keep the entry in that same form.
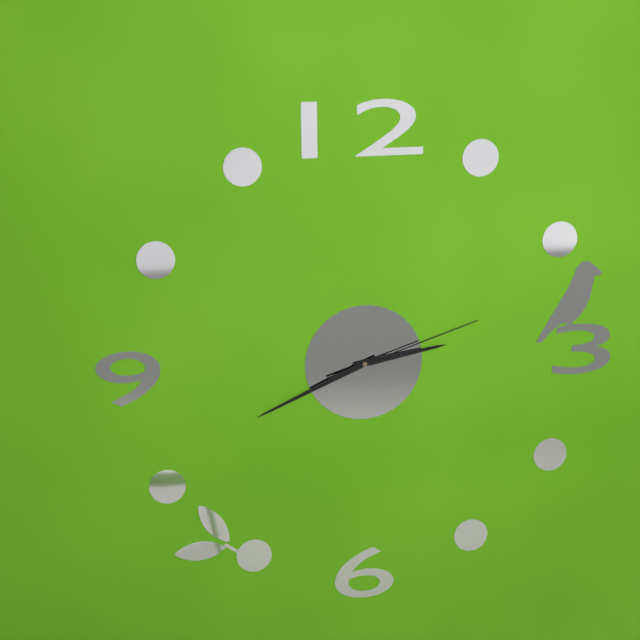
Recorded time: **2:41:12**
